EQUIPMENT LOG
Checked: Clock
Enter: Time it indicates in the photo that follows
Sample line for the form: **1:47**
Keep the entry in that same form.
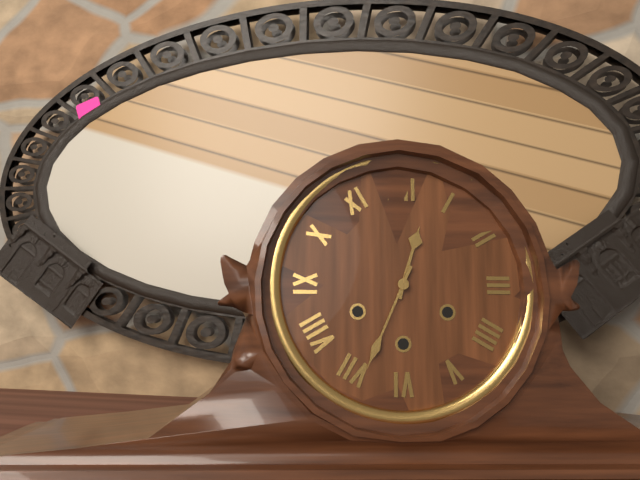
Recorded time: **12:34**
